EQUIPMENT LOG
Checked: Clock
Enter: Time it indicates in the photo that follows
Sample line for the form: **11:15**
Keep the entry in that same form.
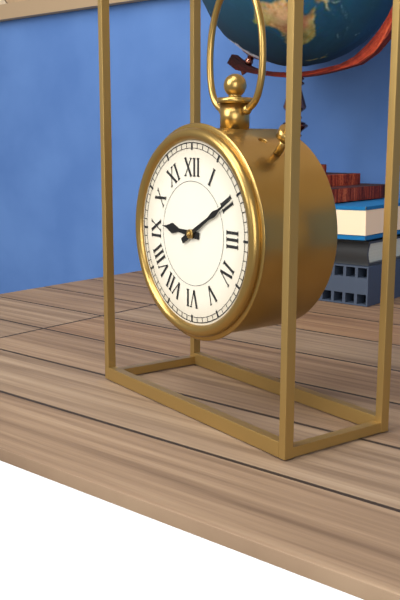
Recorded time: **9:10**
